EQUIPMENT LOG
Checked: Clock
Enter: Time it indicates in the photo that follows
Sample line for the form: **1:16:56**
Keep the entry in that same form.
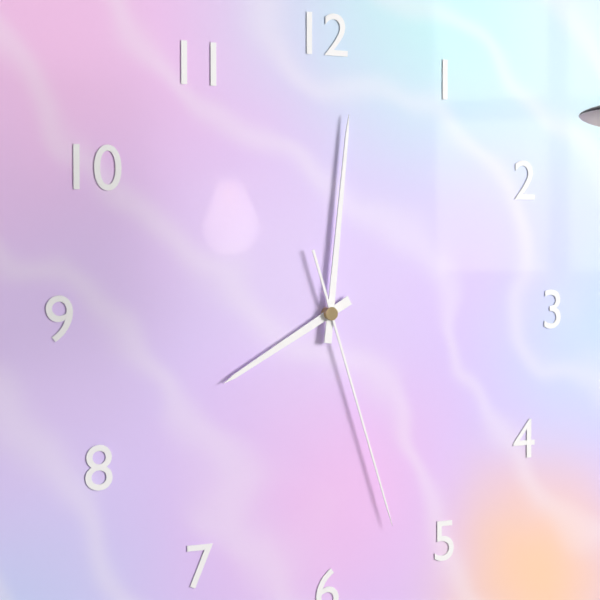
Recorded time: **8:01:27**
